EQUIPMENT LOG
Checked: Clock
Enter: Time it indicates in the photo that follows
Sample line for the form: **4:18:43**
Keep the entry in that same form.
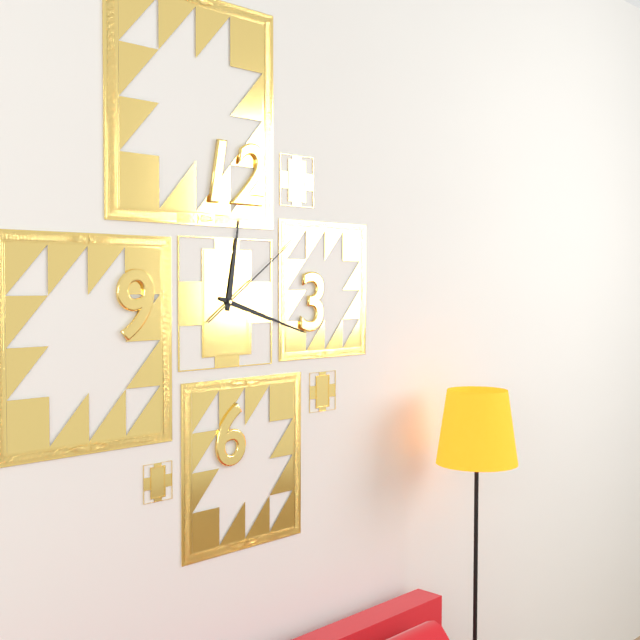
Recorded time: **12:18:09**
